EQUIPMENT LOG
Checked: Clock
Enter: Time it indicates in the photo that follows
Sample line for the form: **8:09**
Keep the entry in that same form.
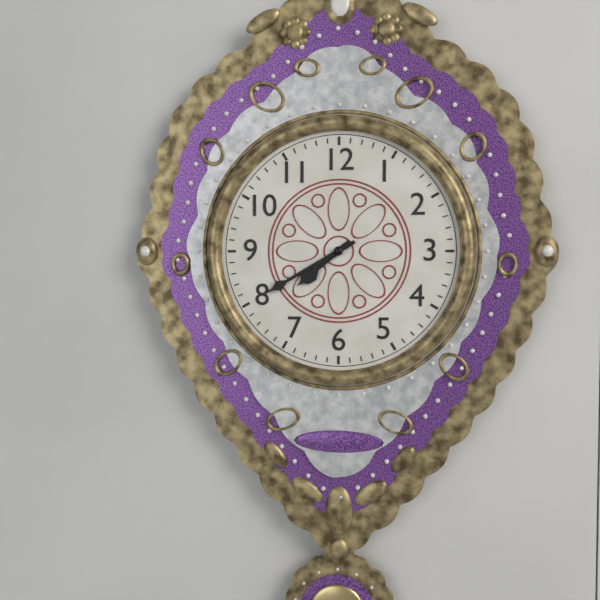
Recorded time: **7:40**
